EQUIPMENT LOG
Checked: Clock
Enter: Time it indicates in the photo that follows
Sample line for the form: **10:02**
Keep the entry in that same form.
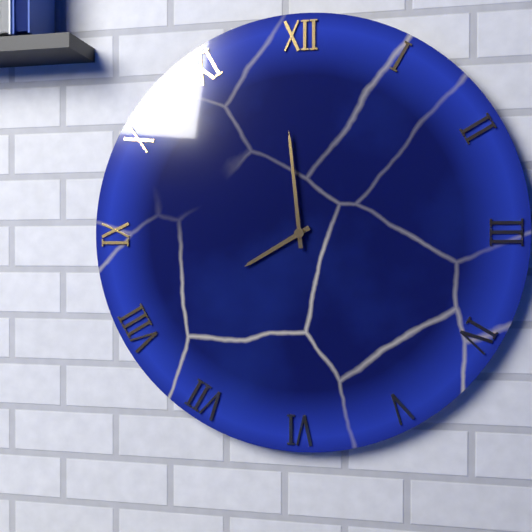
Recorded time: **7:59**
